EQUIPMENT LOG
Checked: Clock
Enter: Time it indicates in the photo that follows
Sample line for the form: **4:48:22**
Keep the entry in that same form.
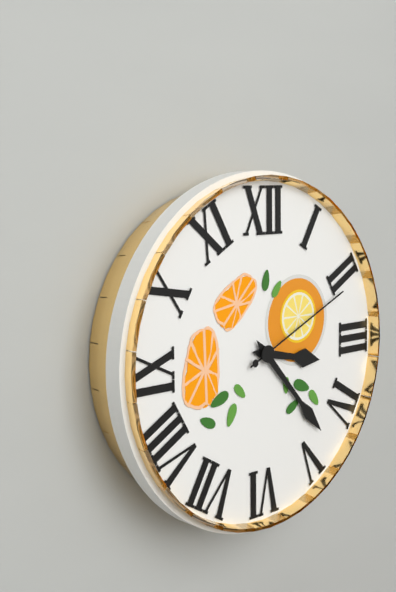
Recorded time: **3:23:11**
